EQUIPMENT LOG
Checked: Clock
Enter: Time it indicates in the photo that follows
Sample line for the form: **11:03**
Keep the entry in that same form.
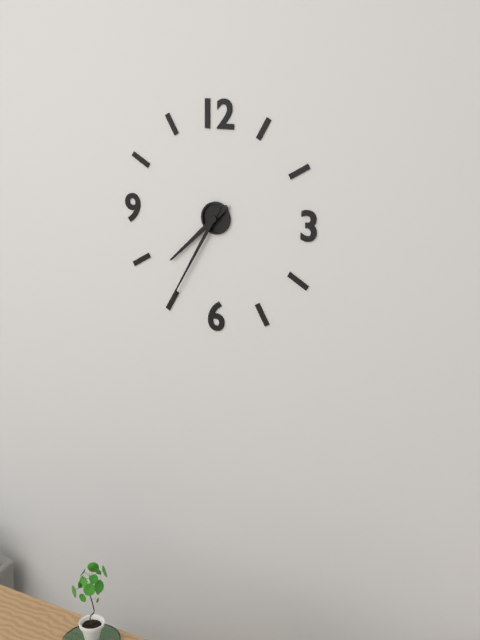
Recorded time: **7:35**
